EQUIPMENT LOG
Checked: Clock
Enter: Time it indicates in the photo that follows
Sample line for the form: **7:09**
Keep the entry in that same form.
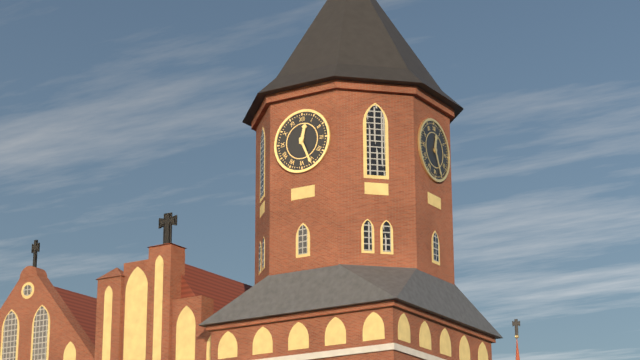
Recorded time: **12:26**
